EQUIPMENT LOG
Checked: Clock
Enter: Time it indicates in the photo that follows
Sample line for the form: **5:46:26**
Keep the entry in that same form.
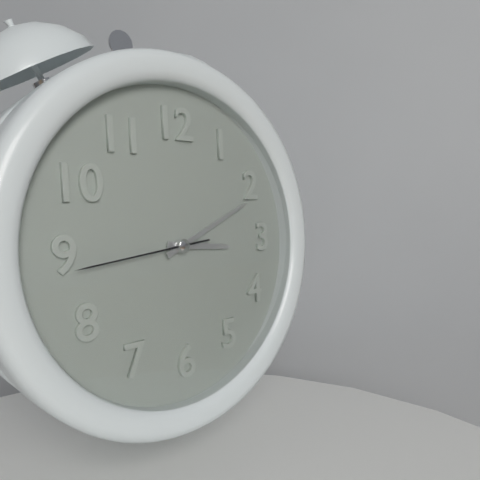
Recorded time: **3:11:44**
